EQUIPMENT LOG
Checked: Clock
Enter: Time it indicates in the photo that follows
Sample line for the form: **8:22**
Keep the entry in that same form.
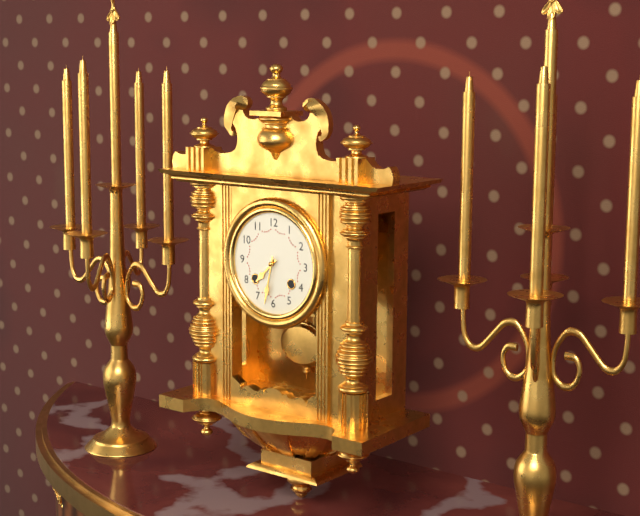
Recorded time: **7:32**
